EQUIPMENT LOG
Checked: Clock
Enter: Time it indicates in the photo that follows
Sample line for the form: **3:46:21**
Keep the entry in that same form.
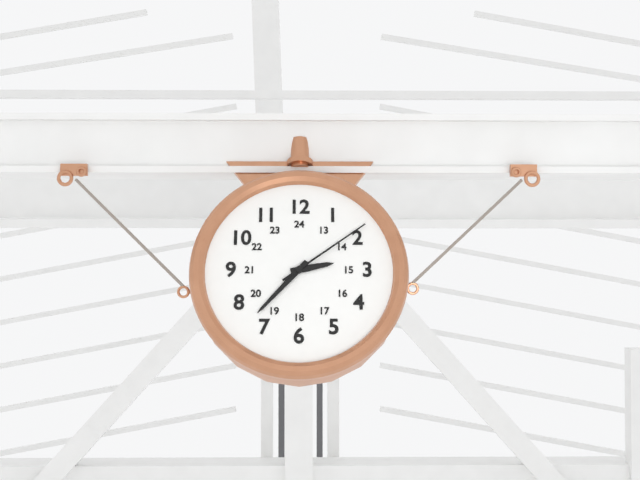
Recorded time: **2:37:09**
